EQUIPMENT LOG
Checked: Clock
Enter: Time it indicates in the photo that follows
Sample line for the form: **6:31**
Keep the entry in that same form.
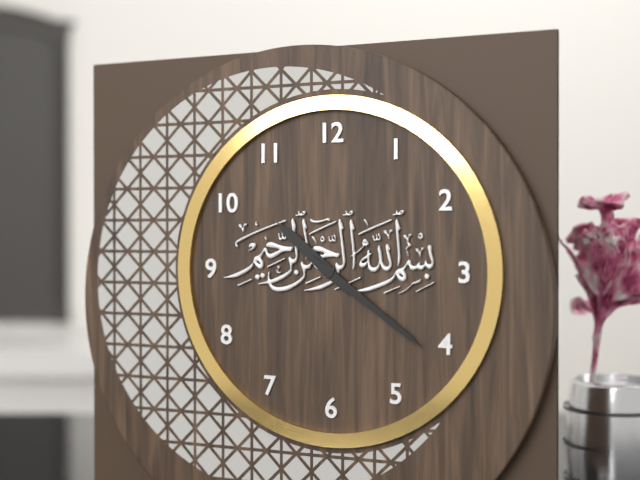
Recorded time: **10:21**
